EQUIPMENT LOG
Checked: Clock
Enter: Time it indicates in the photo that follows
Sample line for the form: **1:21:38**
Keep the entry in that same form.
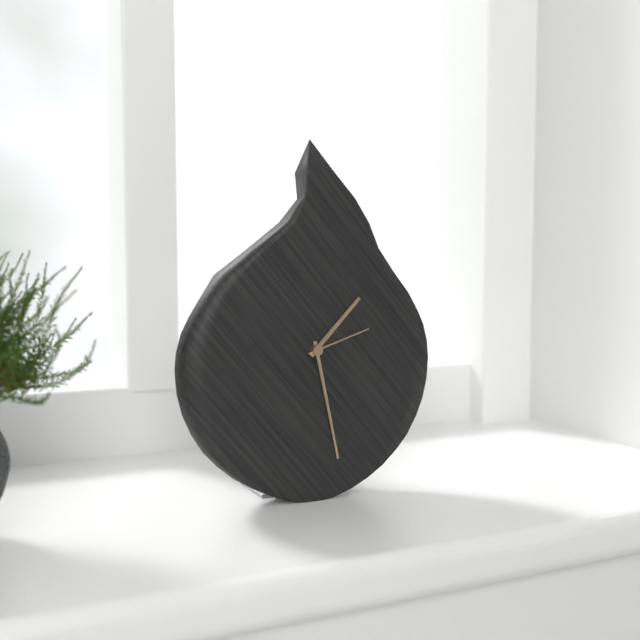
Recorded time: **1:28:12**
